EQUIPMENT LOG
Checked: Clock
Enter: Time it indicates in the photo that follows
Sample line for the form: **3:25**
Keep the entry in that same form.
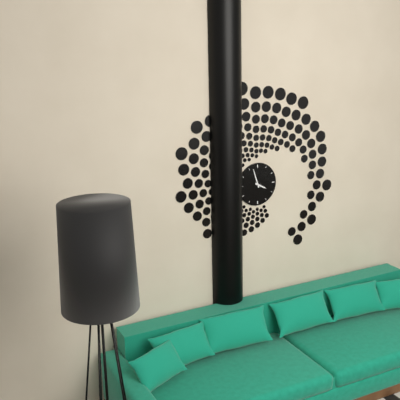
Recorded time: **3:57**
